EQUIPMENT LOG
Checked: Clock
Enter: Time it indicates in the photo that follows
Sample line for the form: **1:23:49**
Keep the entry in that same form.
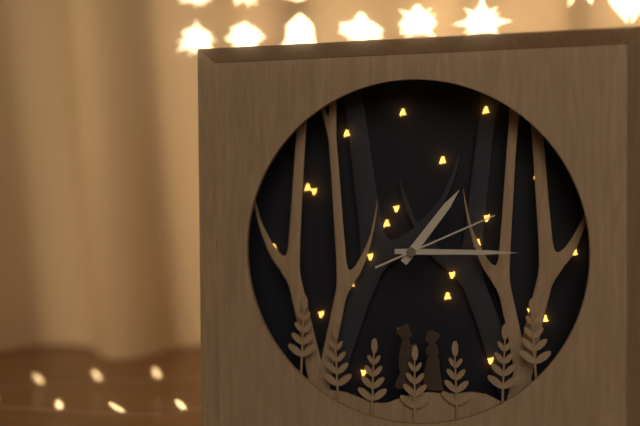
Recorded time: **1:15:11**
